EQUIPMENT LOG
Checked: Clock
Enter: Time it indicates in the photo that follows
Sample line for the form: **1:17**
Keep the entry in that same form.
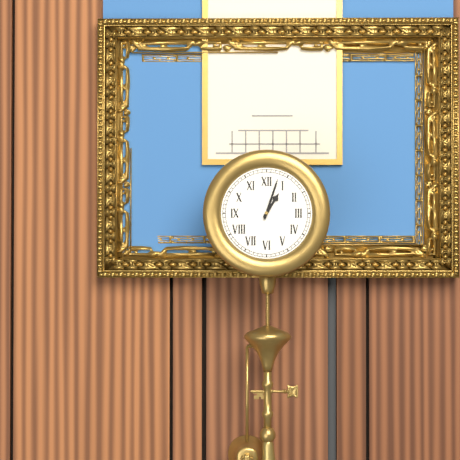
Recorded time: **1:03**
